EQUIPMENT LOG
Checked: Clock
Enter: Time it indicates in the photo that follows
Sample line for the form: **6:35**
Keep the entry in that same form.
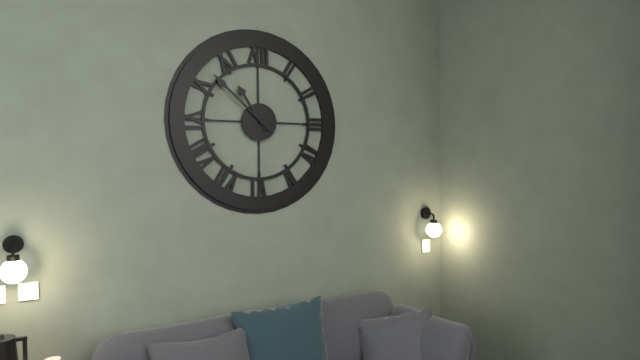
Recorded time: **10:52**
